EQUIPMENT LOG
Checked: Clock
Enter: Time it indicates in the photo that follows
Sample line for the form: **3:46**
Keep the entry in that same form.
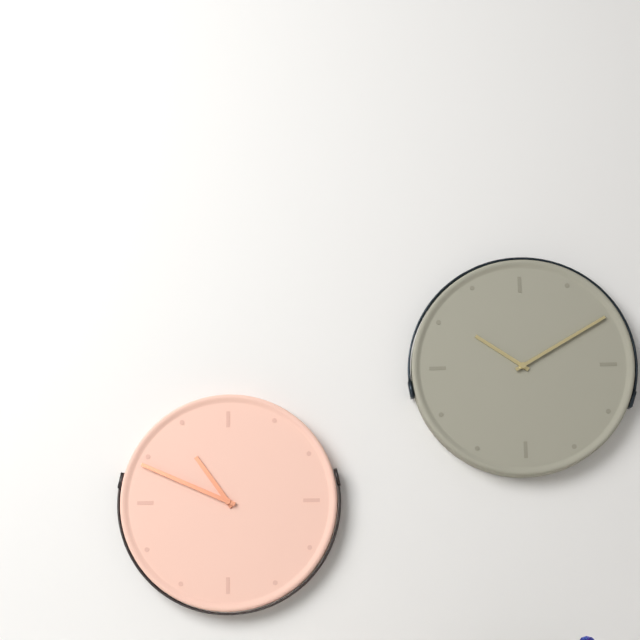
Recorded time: **10:49**
